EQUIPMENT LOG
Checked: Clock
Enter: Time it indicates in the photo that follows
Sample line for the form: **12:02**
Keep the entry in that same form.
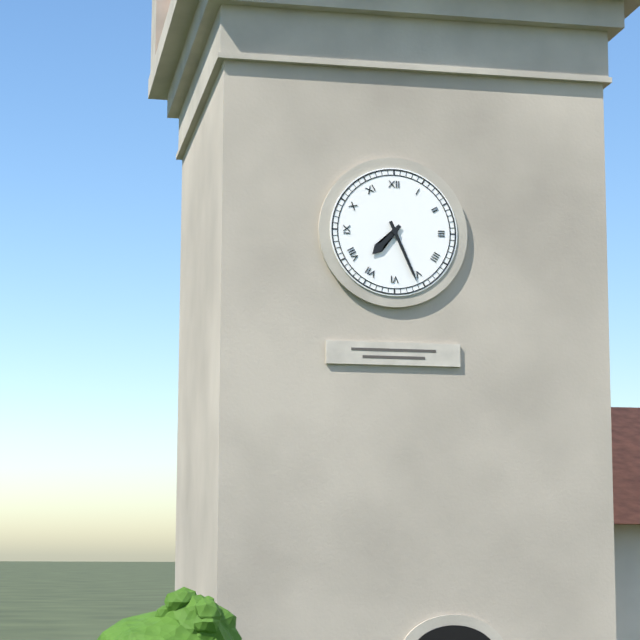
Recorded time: **7:26**
